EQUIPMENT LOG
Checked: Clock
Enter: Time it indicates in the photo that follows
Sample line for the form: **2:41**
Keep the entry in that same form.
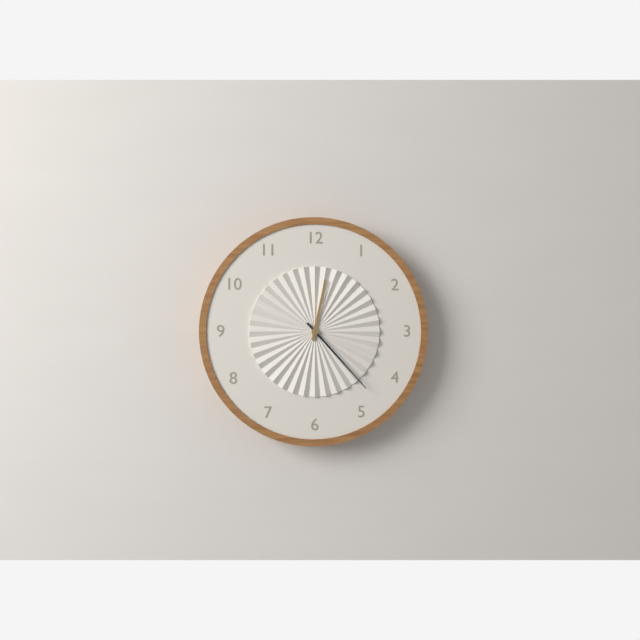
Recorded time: **12:23**
